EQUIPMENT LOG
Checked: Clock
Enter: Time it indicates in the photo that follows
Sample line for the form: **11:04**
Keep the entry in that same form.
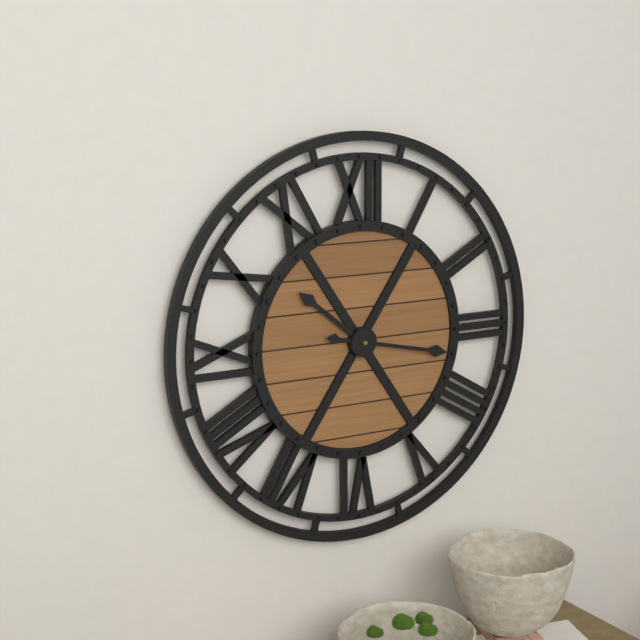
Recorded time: **10:17**
